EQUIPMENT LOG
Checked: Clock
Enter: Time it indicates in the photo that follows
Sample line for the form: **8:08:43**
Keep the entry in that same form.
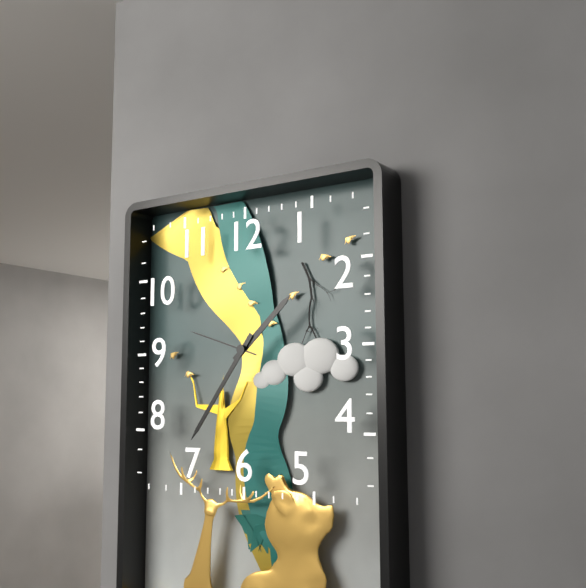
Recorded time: **1:36:48**
